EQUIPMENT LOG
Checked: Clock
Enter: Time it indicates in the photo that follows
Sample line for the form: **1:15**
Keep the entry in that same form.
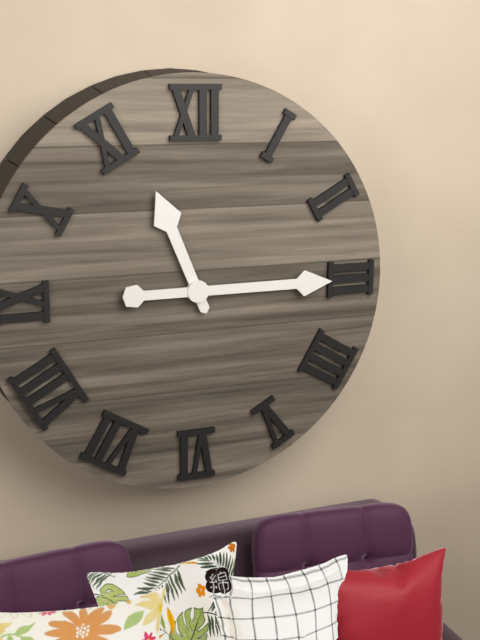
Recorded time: **11:15**
